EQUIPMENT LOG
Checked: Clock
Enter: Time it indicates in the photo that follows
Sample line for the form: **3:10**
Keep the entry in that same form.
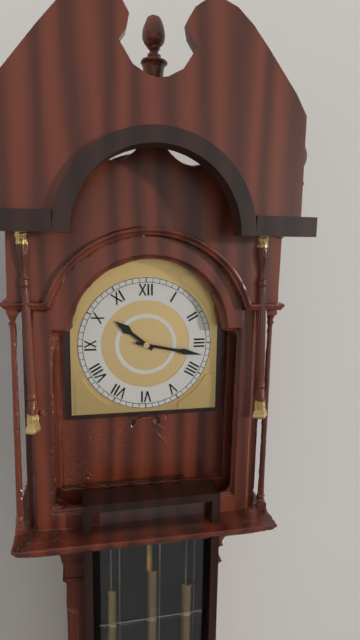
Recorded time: **10:17**
